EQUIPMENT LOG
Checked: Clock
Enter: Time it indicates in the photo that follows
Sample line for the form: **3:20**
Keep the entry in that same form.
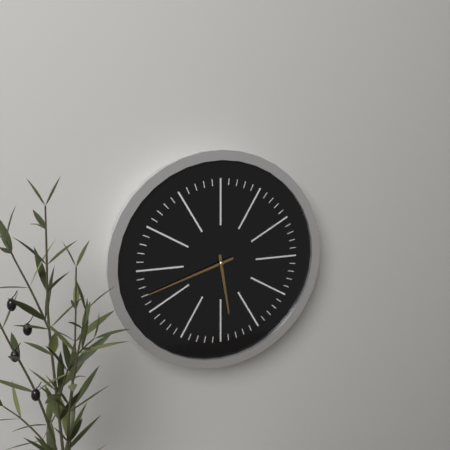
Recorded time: **5:42**
